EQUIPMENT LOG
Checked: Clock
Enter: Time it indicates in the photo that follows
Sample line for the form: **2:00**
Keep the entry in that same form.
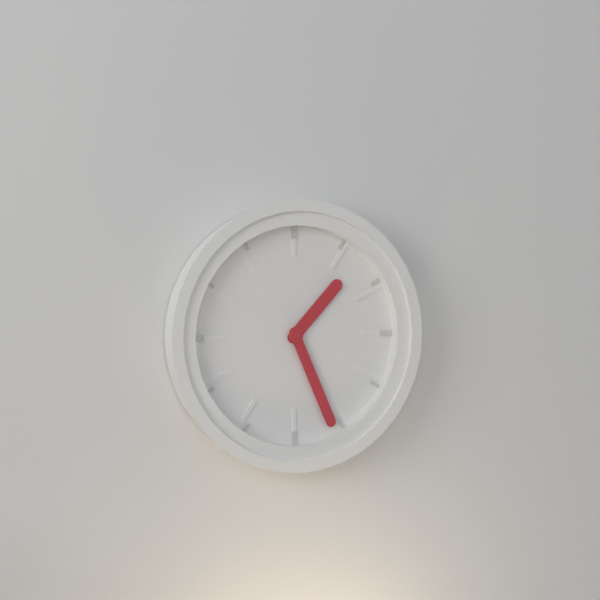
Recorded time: **1:26**
